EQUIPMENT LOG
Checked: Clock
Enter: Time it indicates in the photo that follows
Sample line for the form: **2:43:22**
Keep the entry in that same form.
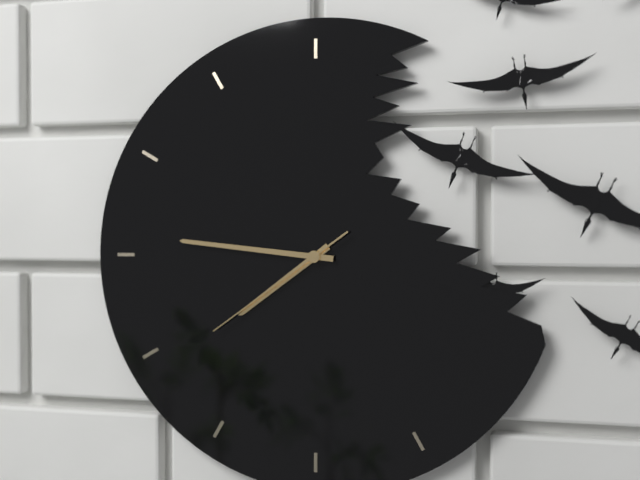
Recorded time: **7:46:39**
